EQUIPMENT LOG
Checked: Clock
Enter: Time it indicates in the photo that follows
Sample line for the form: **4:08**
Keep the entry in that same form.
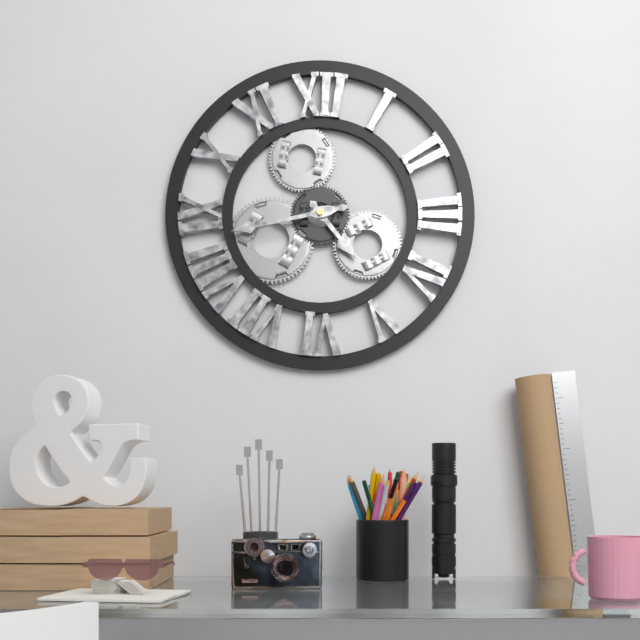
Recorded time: **4:43**
